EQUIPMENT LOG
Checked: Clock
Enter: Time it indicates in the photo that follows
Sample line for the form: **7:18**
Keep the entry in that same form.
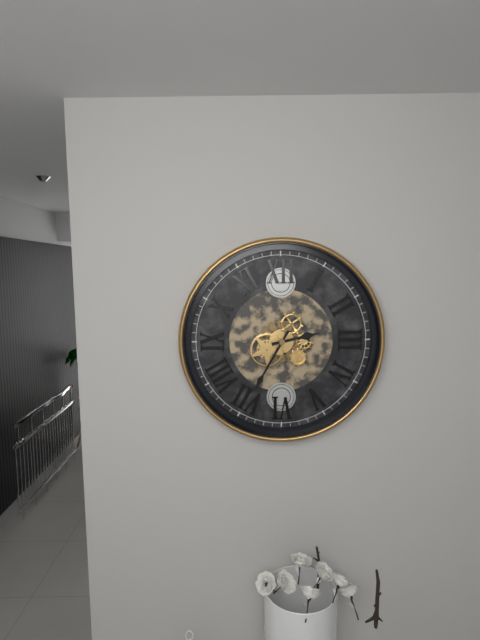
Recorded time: **2:35**
